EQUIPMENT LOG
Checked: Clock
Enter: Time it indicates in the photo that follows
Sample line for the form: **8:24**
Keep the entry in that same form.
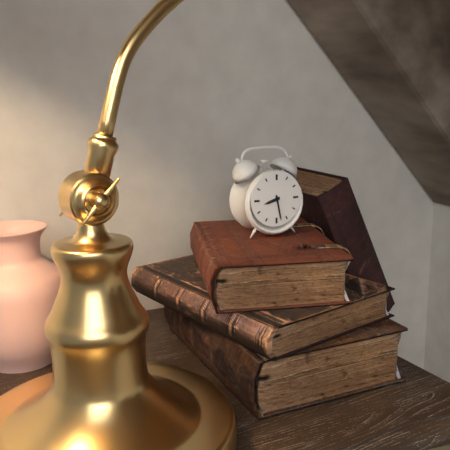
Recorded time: **8:28**
